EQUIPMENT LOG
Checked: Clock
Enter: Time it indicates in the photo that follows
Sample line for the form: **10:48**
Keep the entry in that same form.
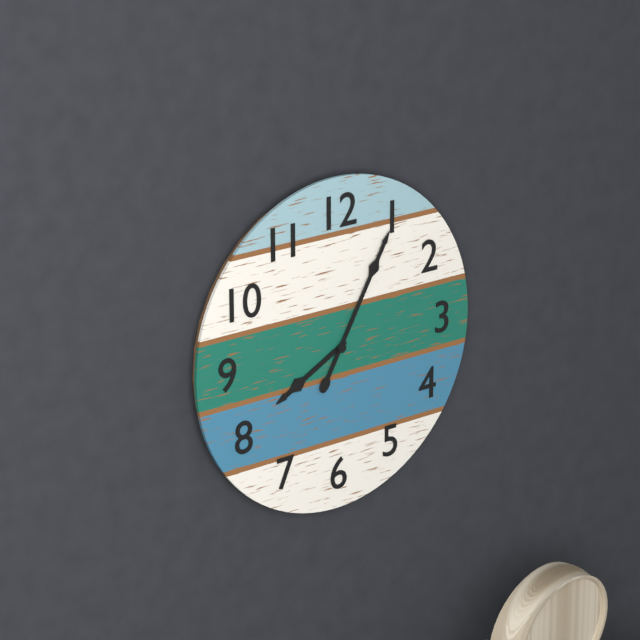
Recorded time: **8:05**
